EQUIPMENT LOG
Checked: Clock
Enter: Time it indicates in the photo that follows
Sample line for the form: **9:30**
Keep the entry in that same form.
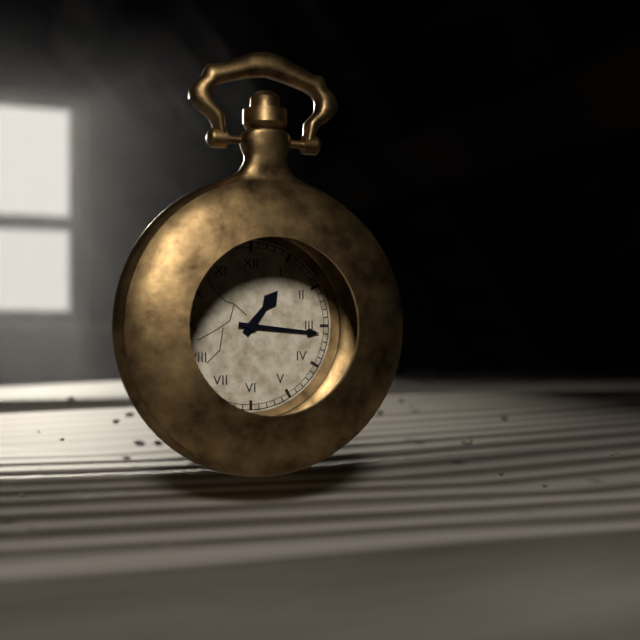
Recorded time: **1:16**
